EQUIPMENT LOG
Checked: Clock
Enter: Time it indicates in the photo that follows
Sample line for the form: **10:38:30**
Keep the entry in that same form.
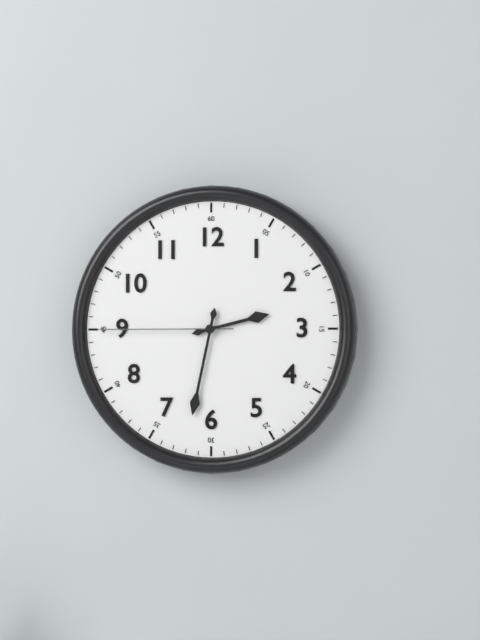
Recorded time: **2:32:45**
